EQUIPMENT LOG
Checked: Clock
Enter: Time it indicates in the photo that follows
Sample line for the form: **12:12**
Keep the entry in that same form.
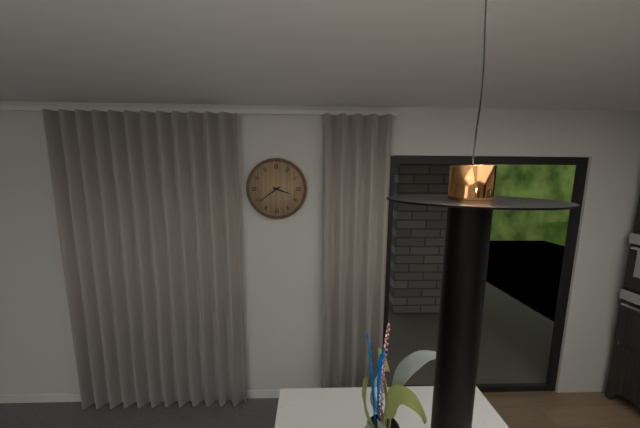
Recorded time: **3:39**
